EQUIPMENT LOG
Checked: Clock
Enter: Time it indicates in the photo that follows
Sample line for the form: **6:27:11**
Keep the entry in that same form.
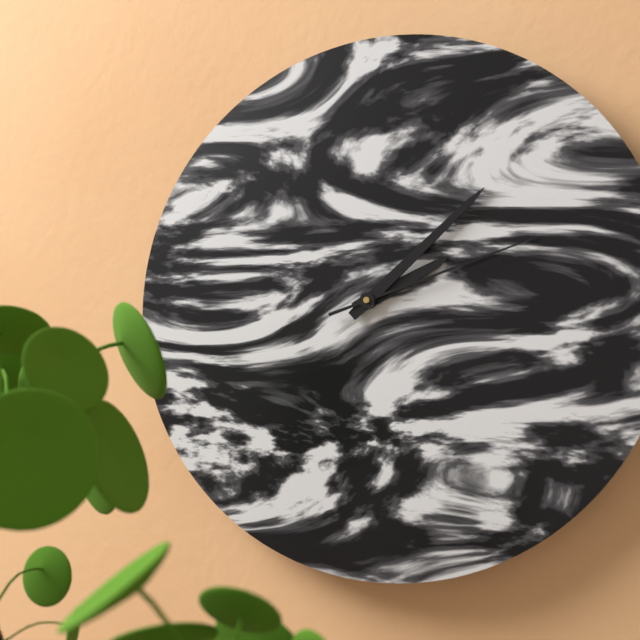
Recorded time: **2:08:12**
